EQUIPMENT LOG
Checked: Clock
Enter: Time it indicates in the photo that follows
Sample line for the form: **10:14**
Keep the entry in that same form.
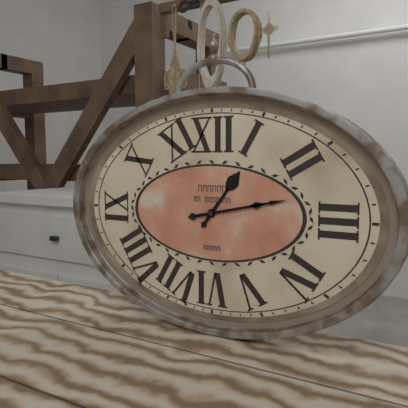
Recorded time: **1:13**
